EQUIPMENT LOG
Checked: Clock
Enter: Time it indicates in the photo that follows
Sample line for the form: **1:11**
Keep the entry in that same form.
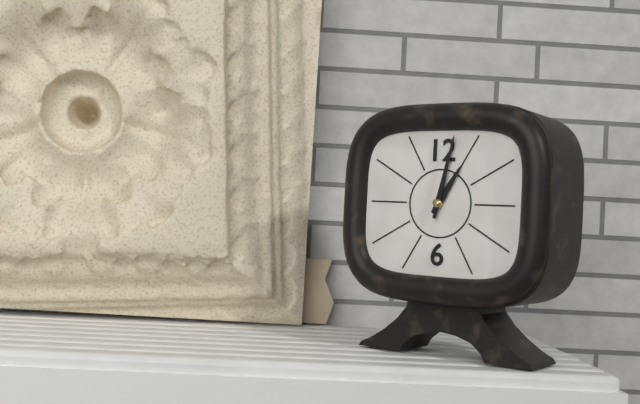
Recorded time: **1:02**
